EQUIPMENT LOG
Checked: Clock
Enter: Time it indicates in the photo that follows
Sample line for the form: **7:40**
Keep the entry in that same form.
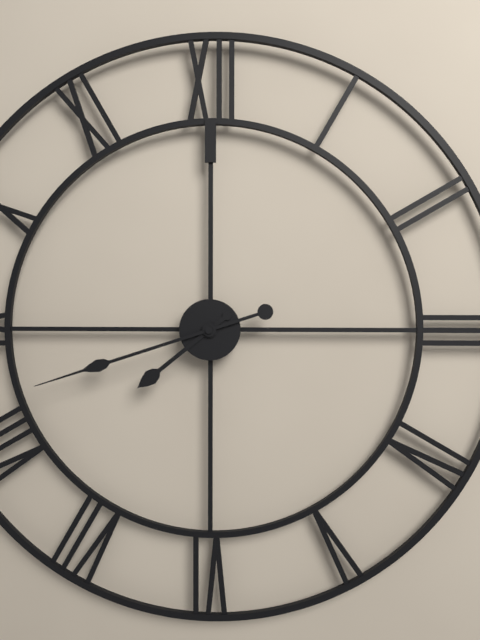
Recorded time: **7:42**
